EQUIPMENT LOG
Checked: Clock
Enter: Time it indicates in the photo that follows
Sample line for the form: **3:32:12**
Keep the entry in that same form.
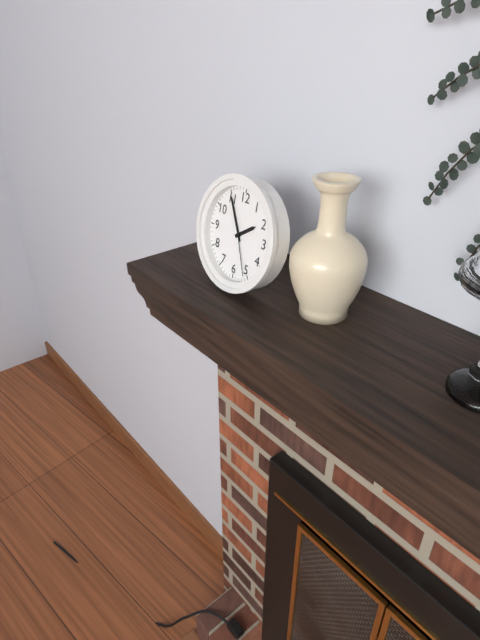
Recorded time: **1:55:26**
